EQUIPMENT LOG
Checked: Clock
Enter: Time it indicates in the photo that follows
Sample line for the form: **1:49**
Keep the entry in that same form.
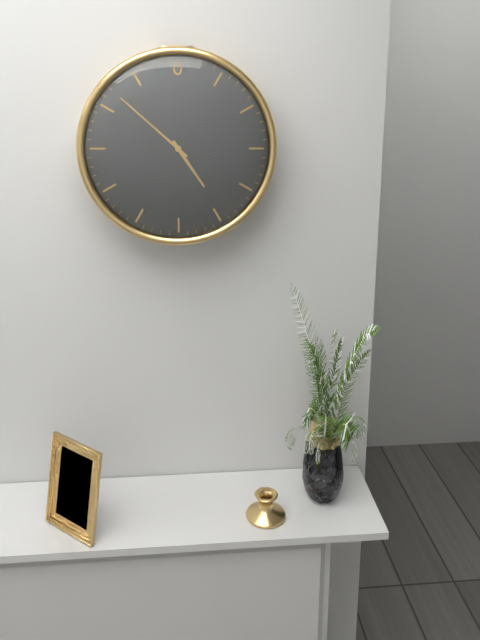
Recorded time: **4:52**
